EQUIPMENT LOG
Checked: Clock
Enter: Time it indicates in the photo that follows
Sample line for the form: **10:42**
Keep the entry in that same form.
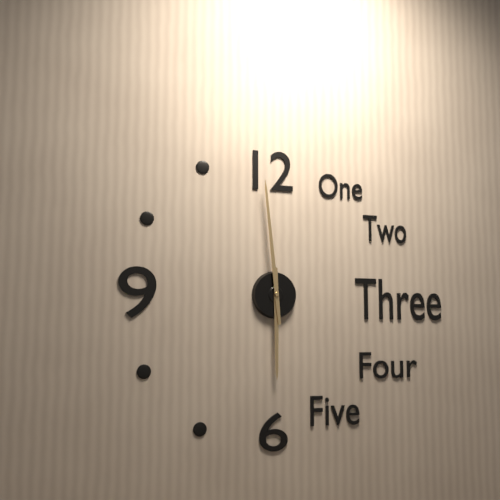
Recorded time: **5:59**
